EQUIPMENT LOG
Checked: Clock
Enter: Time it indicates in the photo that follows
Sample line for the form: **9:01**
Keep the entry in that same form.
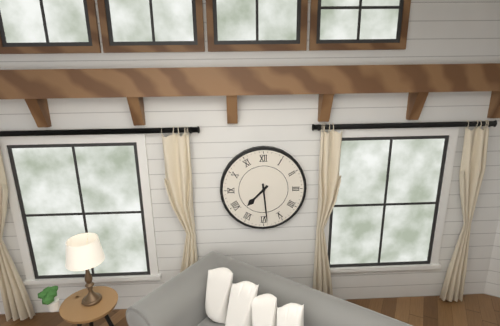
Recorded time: **7:29**
